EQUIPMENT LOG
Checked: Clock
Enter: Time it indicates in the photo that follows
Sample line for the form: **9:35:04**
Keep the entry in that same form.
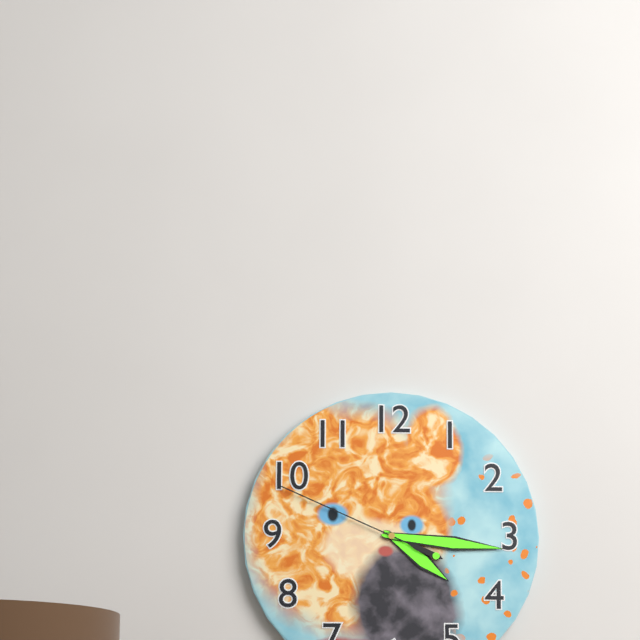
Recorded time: **4:16:49**
